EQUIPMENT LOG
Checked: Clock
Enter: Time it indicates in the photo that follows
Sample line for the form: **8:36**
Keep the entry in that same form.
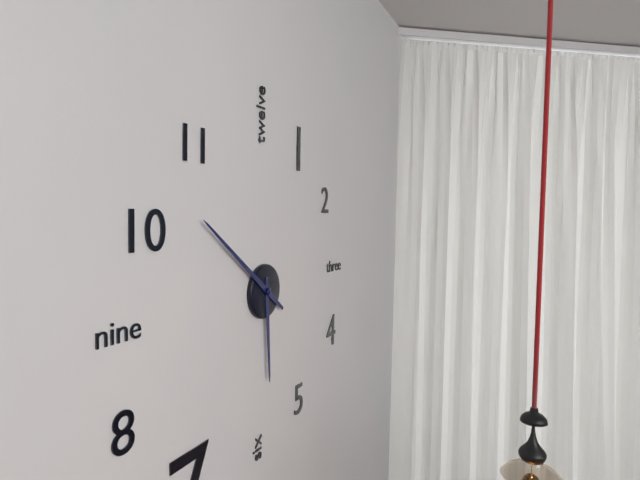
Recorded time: **5:51**
